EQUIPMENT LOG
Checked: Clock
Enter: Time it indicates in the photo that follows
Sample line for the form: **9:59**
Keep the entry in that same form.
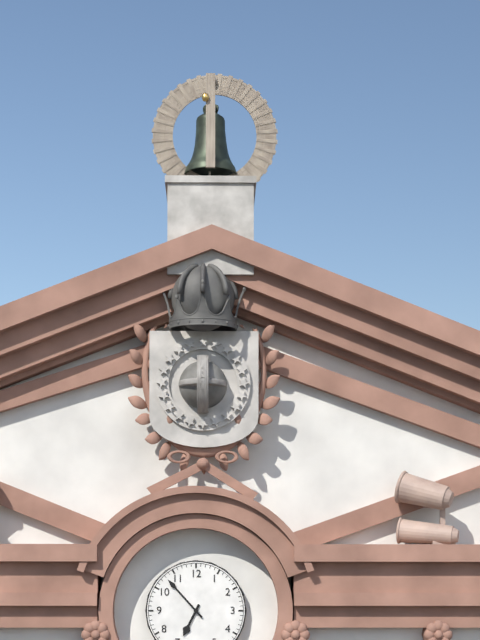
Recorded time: **6:53**
